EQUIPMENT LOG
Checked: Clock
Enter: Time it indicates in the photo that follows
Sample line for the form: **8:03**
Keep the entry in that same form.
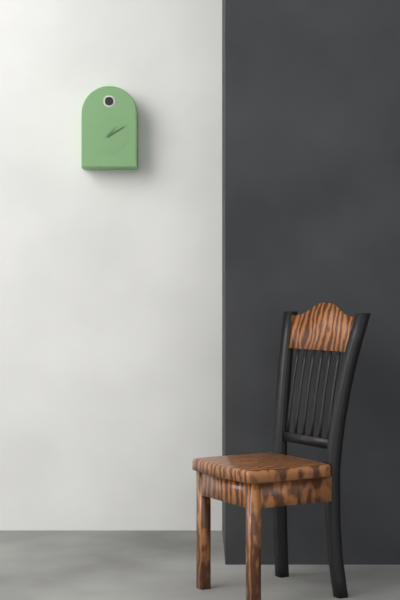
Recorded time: **1:10**
